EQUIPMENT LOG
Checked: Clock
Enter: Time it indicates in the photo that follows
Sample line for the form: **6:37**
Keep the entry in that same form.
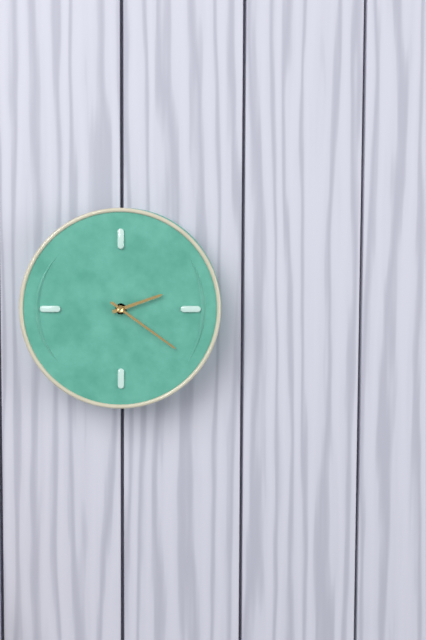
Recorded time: **2:21**
